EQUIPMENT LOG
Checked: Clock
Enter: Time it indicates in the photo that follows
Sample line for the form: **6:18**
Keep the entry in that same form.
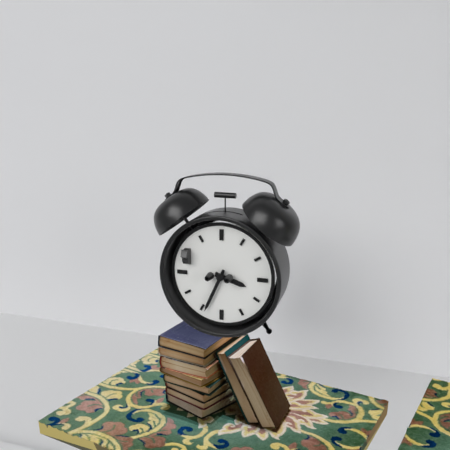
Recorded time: **3:34**
